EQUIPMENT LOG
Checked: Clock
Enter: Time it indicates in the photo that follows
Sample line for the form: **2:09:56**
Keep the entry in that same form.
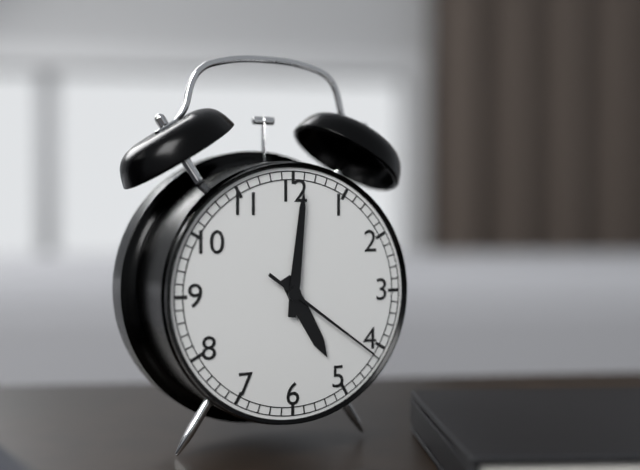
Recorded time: **5:01:21**
